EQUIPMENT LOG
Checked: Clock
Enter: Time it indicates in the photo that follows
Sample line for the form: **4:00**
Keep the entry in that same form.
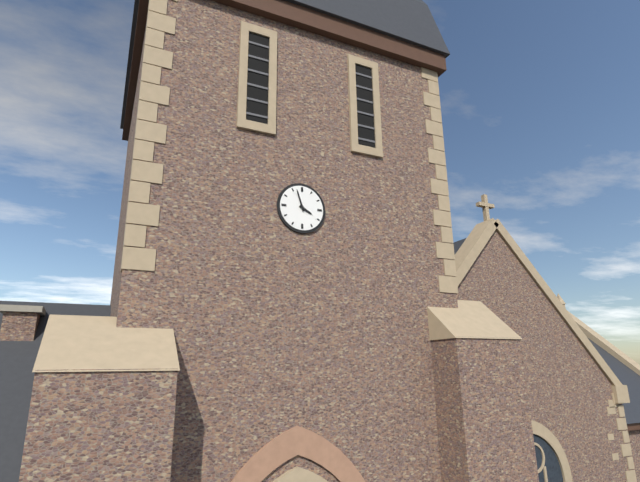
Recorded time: **3:57**
